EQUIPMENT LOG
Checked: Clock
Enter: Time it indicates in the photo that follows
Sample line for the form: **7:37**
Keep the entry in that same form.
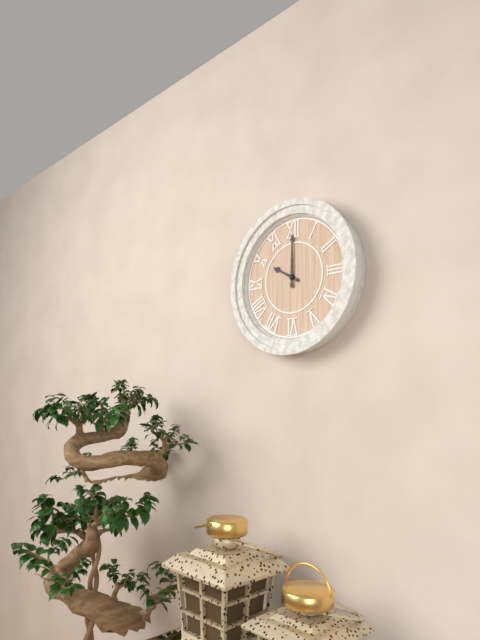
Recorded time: **10:00**
